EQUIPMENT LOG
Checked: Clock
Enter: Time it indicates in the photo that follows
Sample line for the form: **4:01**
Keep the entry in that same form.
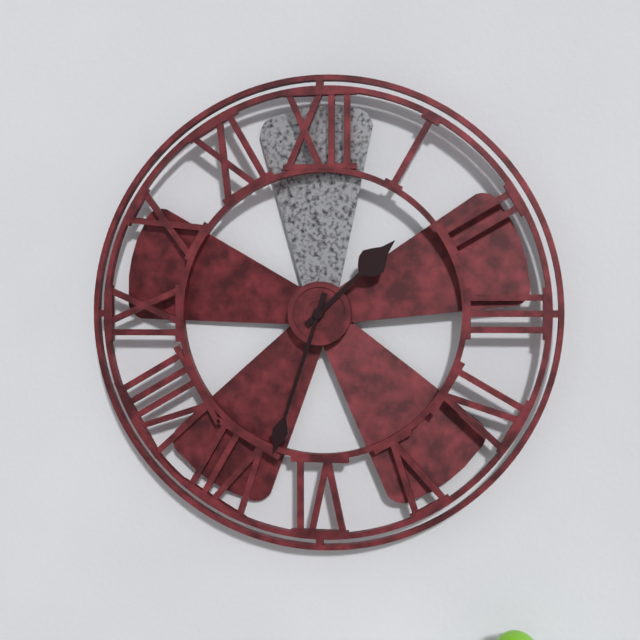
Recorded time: **1:33**
